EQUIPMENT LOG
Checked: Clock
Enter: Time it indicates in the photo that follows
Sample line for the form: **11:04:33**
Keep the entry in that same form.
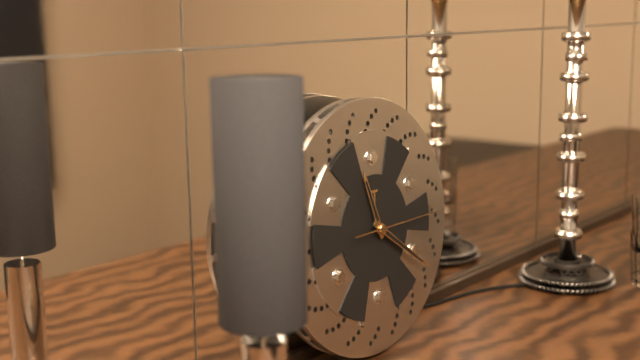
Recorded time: **11:21:15**
